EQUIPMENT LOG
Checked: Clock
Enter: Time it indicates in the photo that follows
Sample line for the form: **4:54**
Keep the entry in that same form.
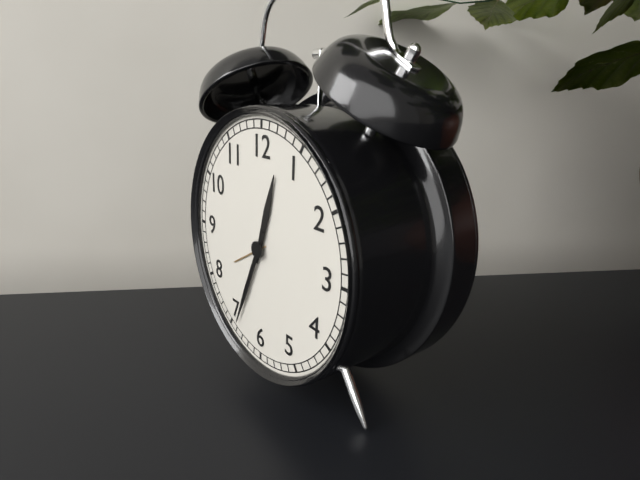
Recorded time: **12:34**
